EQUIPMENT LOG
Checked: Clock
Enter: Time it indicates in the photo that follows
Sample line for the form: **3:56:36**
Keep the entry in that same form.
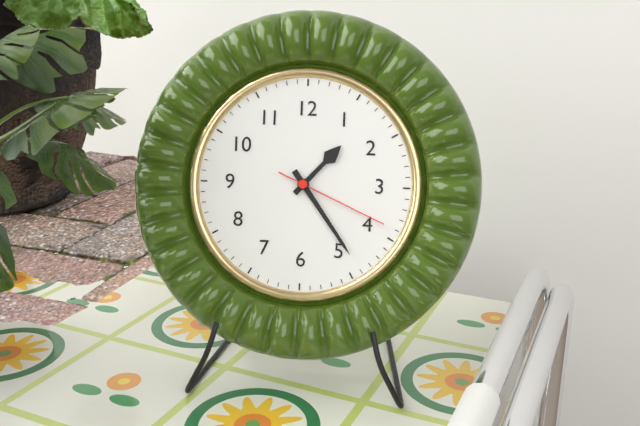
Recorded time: **1:24:19**
